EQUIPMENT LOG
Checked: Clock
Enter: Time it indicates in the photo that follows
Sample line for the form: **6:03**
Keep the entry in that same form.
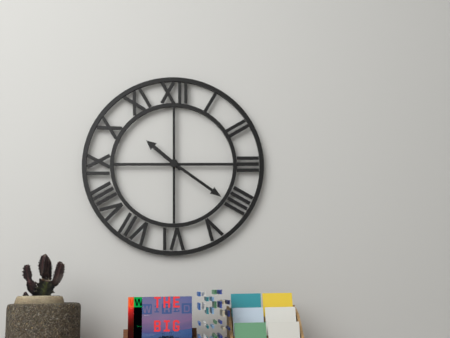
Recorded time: **10:21**
